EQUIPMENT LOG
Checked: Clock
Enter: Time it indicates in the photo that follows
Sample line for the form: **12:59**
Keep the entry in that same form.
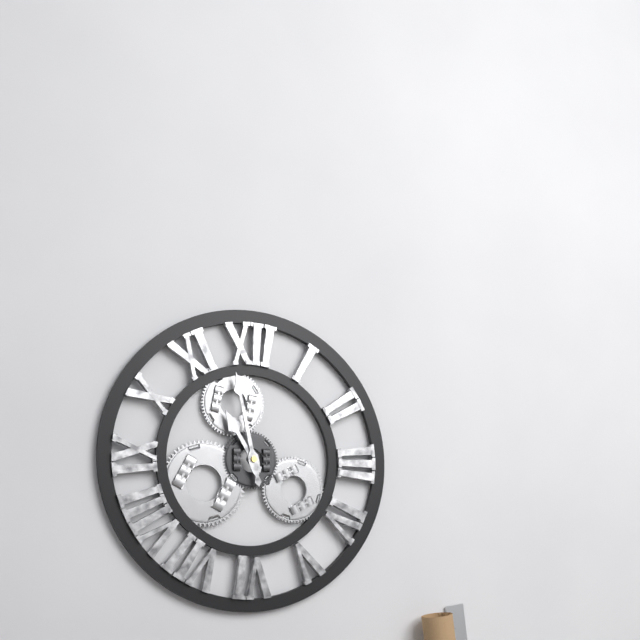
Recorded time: **10:58**
